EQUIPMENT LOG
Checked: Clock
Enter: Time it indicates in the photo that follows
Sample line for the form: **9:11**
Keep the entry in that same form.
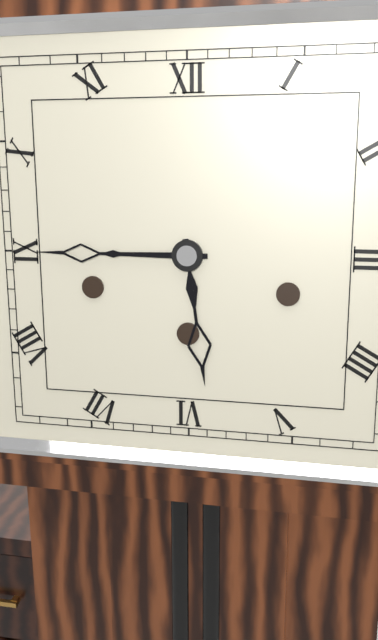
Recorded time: **5:45**
